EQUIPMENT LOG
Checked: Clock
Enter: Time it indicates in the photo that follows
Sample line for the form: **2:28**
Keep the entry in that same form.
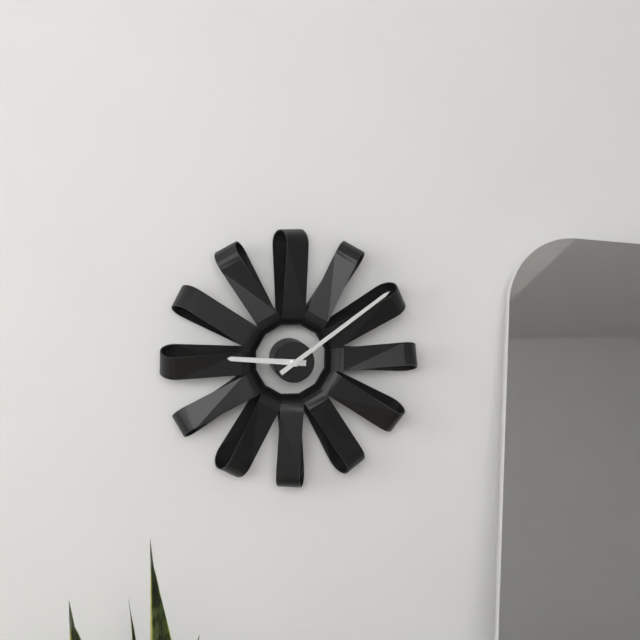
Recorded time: **9:09**
